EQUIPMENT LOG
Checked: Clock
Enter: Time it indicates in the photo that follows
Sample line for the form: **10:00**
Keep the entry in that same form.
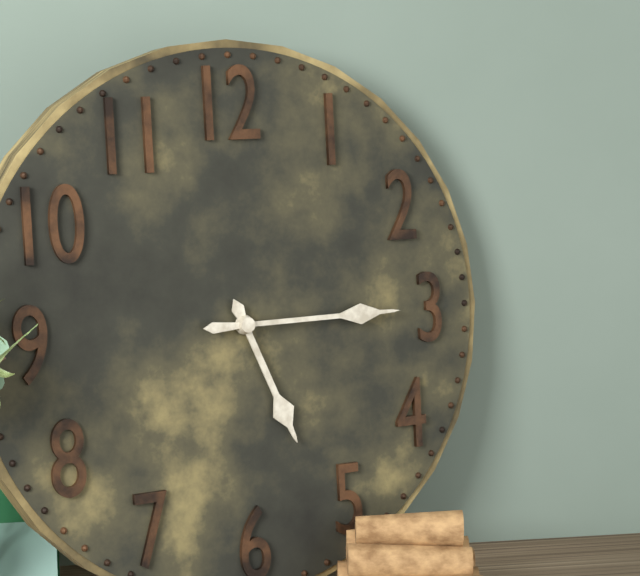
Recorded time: **5:15**
